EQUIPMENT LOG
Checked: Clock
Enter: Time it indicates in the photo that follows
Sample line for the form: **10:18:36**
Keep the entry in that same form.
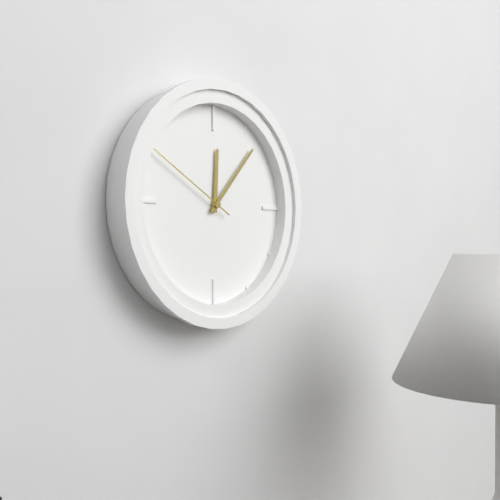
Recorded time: **12:07:50**
